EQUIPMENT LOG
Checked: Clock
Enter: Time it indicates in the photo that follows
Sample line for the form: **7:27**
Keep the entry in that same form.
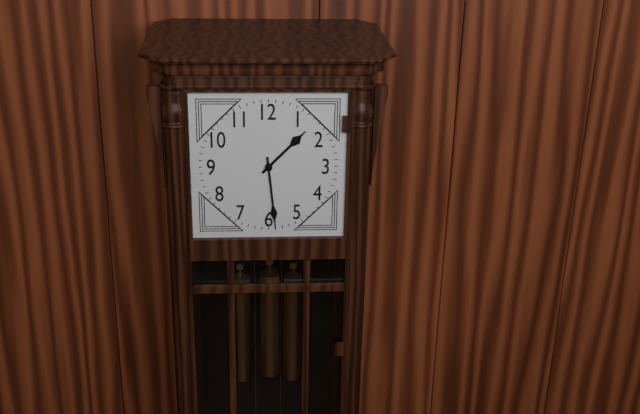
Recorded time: **1:29**
